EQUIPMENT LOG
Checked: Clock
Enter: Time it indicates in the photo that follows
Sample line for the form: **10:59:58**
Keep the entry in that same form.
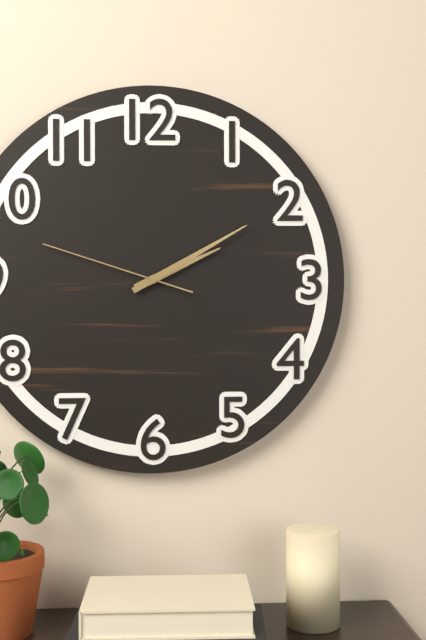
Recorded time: **2:10:48**
